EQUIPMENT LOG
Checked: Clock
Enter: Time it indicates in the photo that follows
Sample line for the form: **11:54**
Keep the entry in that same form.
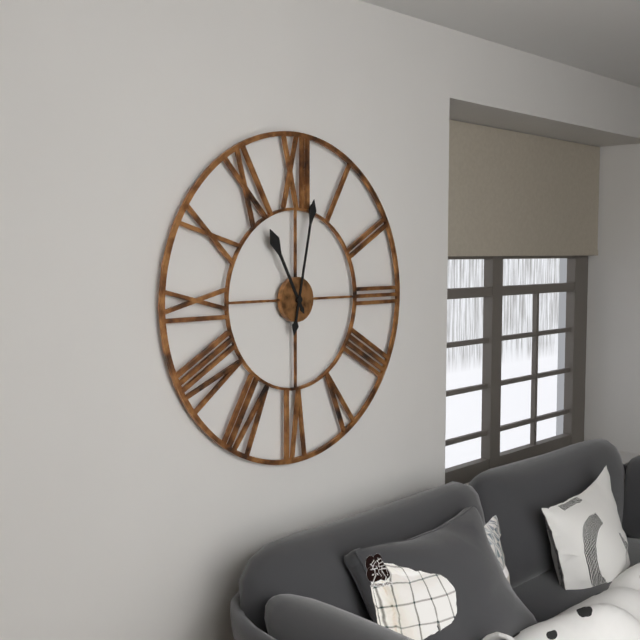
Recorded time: **11:02**
